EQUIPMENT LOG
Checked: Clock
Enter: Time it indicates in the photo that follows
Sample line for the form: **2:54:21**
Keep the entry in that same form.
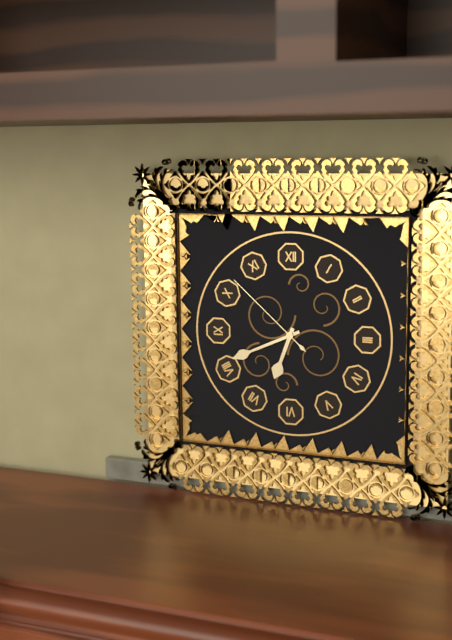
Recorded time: **6:41:52**
